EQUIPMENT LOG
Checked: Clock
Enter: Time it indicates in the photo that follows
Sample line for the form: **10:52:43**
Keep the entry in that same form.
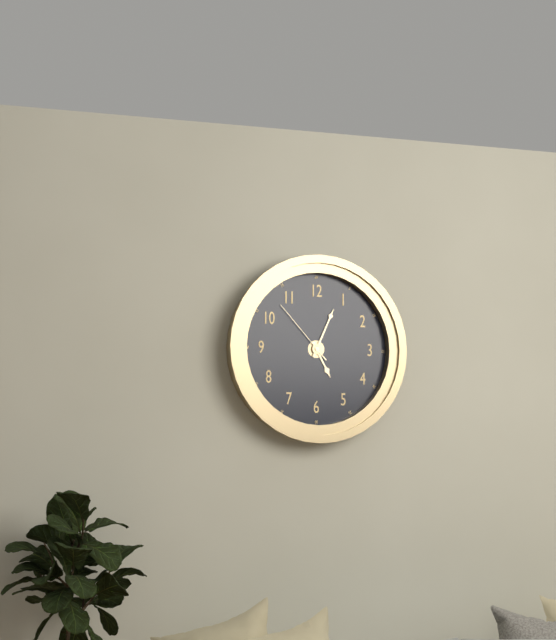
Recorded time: **5:04:53**
